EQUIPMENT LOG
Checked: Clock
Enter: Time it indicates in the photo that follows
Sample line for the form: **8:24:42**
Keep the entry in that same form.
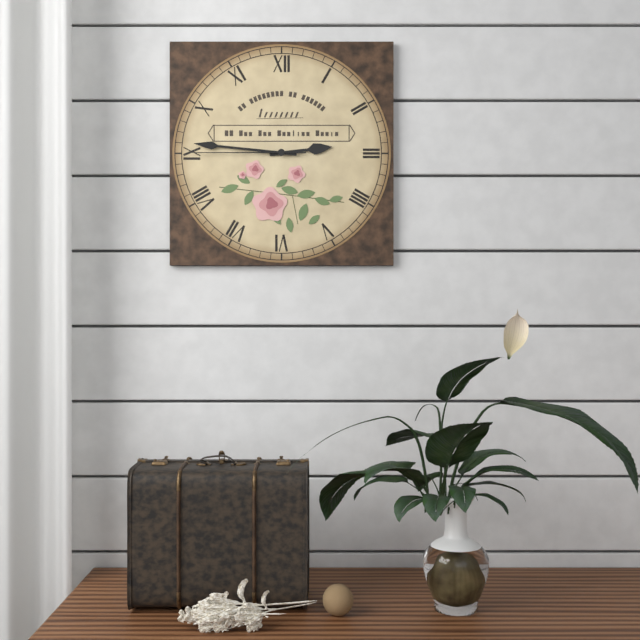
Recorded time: **2:46:45**
